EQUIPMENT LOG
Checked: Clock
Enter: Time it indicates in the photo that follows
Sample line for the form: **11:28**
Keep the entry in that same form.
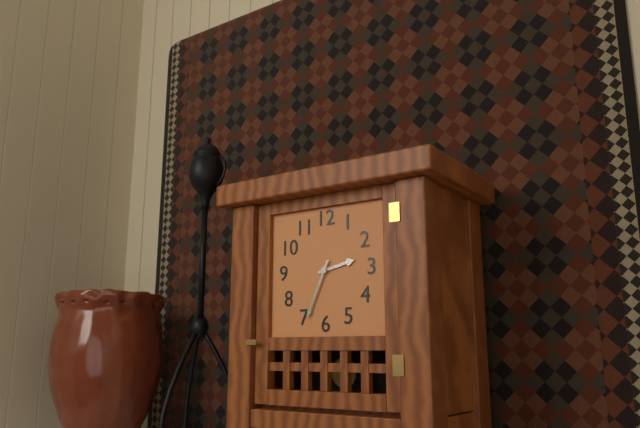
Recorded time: **2:34**
